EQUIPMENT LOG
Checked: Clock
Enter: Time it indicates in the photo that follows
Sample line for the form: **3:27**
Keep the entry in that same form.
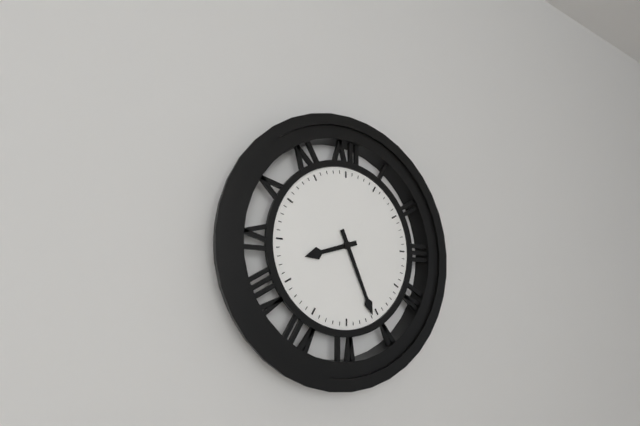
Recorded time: **8:26**
